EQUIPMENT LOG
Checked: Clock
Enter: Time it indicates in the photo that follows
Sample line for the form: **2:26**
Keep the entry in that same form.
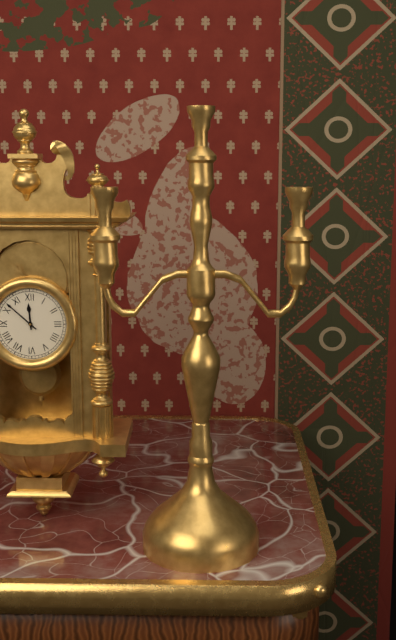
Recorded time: **11:52**
